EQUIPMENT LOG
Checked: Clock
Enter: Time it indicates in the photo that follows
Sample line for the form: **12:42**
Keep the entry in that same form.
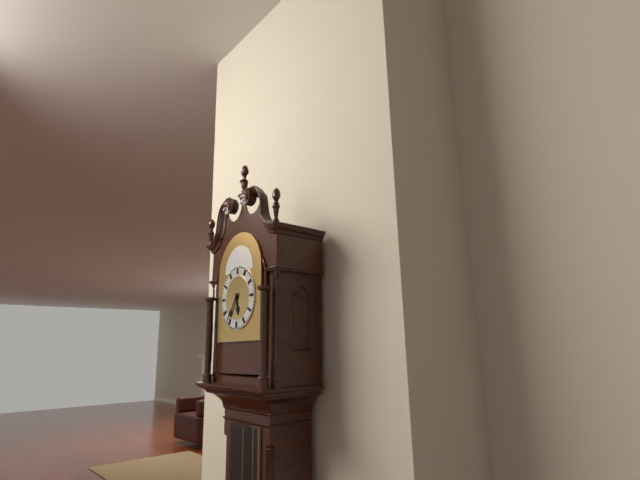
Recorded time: **5:36**
